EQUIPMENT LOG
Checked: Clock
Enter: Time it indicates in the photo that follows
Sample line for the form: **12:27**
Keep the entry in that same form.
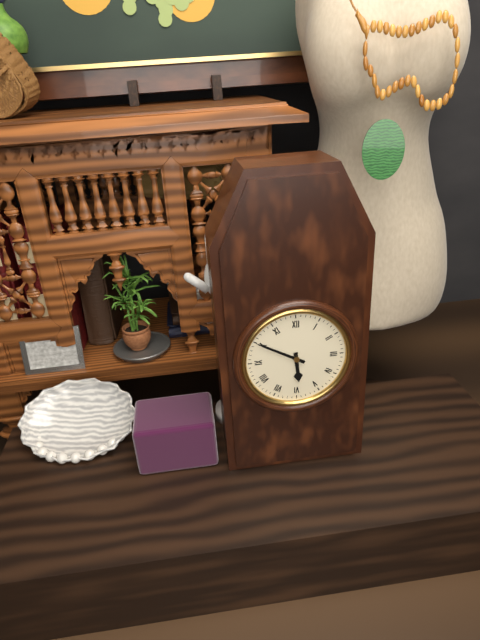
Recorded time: **5:50**
